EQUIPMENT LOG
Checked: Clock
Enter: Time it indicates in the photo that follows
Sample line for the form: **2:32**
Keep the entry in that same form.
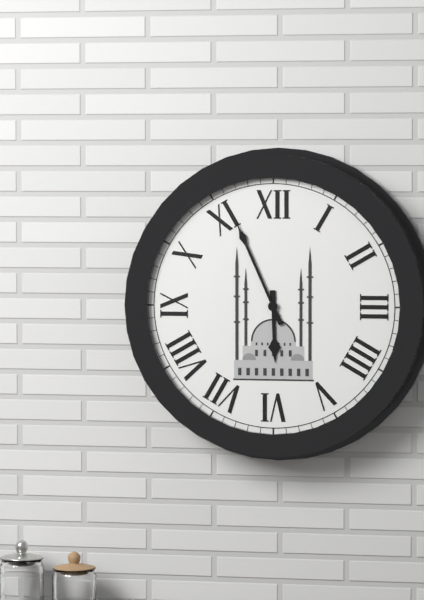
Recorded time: **5:56**
